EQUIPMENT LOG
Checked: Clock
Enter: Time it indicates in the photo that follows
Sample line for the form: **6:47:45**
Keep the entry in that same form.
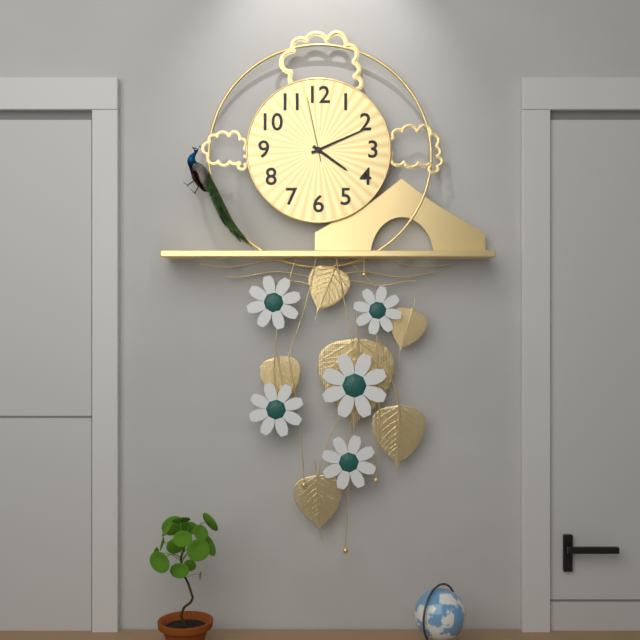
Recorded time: **4:11:58**
